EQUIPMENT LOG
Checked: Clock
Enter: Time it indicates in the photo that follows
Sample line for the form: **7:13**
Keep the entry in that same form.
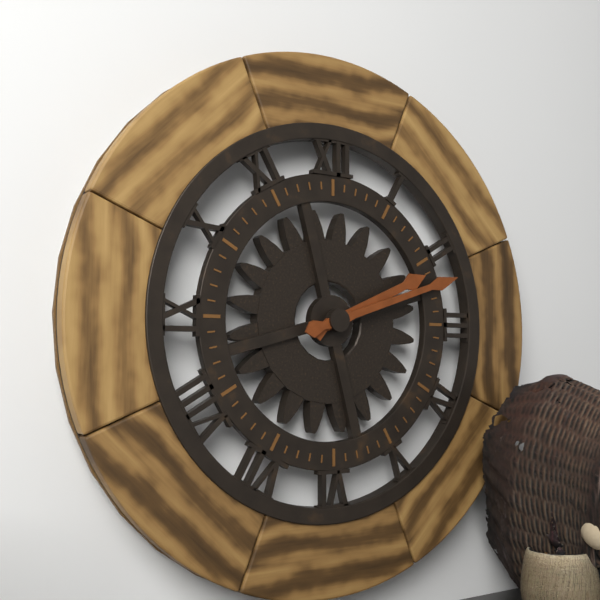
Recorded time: **2:12**
